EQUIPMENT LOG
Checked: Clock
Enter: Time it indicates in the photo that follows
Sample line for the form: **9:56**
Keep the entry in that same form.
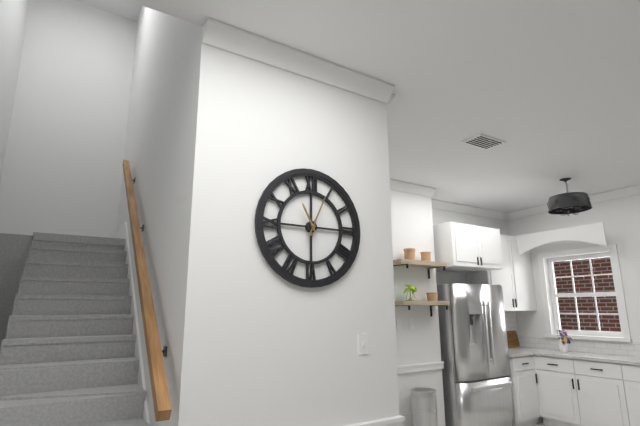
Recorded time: **11:04**
